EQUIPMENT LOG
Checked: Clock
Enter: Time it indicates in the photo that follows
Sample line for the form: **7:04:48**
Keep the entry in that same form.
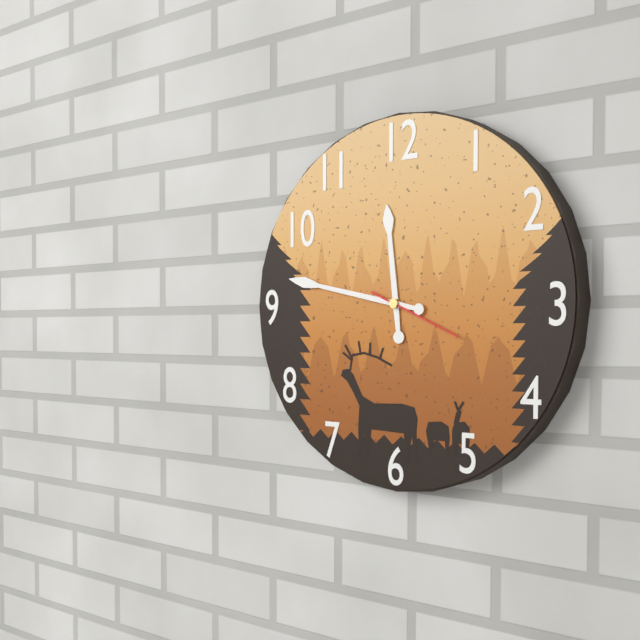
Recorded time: **11:47:19**
